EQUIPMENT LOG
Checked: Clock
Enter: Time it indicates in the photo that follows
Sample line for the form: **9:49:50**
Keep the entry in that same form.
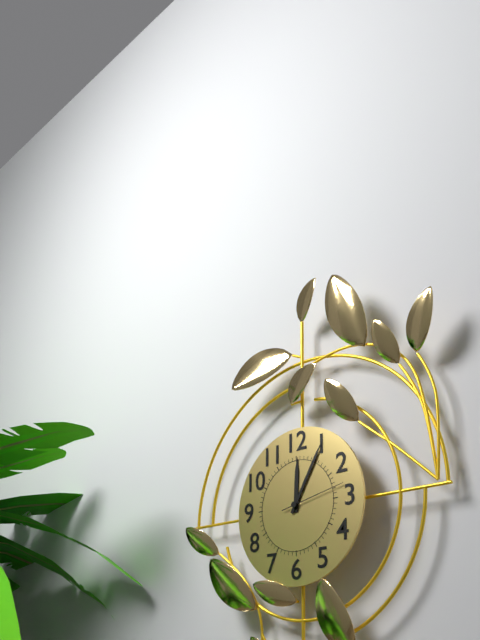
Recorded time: **12:05:13**
